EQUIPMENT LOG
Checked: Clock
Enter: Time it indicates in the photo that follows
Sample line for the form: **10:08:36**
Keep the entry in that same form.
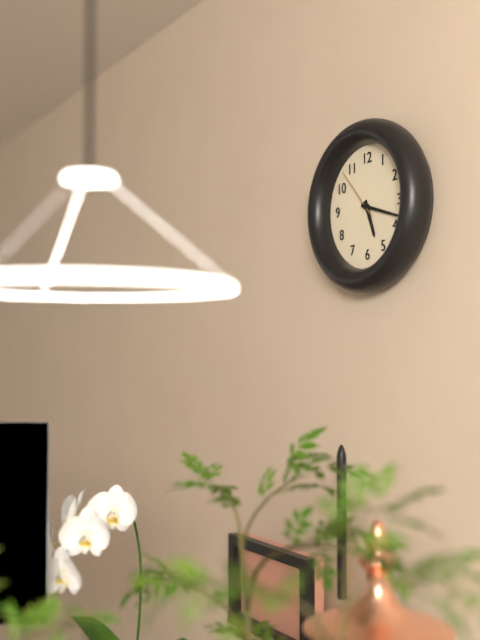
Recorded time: **5:18:53**
